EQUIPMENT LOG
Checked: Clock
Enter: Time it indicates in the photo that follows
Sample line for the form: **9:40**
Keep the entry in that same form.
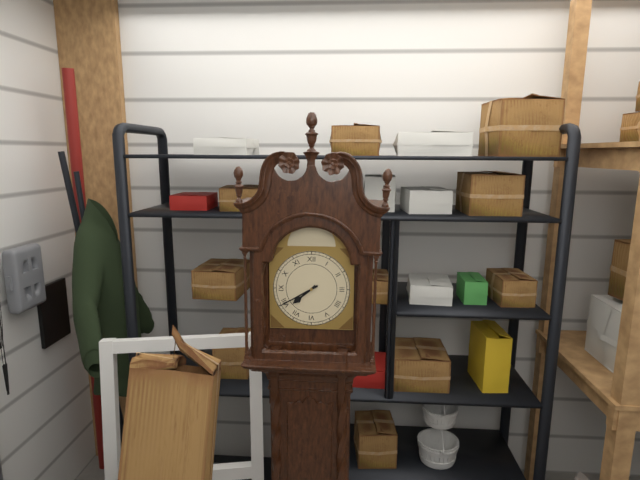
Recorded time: **7:40**
